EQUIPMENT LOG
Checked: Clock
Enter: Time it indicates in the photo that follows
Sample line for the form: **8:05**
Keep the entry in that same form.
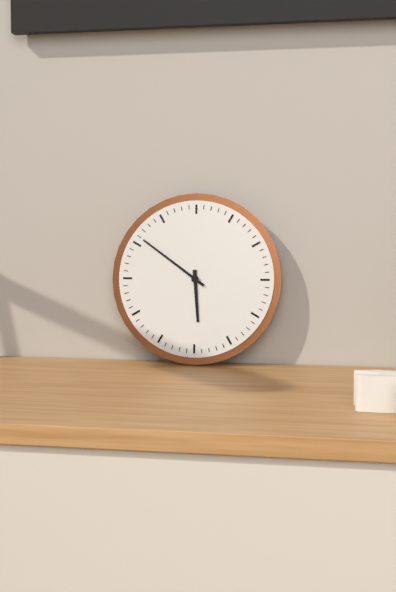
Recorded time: **5:51**
